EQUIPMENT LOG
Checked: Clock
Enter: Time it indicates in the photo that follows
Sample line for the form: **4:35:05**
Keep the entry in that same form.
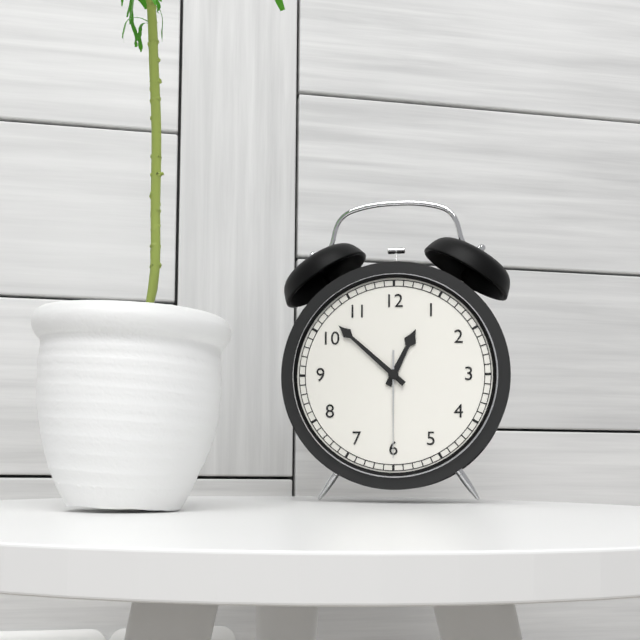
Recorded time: **12:52:30**
